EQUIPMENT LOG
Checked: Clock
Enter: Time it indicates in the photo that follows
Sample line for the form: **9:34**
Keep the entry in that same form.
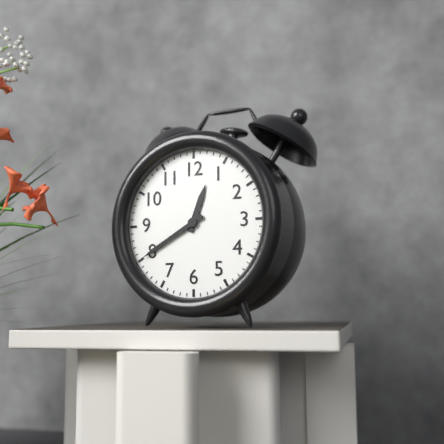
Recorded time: **12:40**
